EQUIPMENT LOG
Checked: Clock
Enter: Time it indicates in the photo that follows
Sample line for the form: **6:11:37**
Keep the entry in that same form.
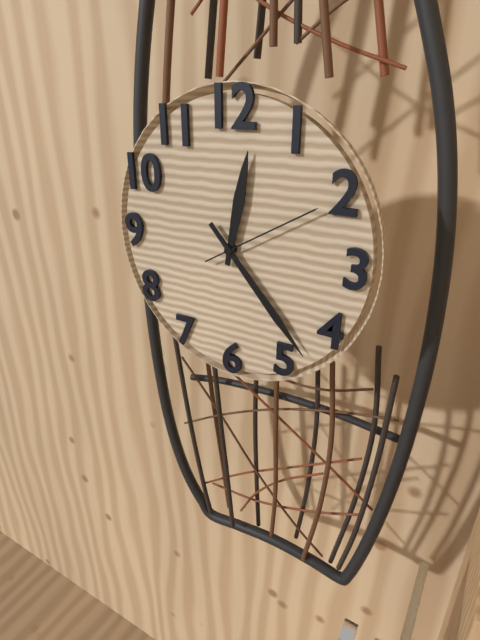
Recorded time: **12:23:10**
